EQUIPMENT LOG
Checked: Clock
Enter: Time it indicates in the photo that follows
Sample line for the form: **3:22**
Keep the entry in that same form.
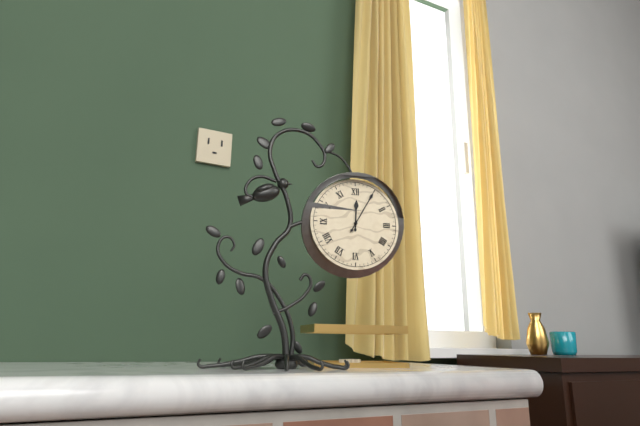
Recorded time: **12:05**
